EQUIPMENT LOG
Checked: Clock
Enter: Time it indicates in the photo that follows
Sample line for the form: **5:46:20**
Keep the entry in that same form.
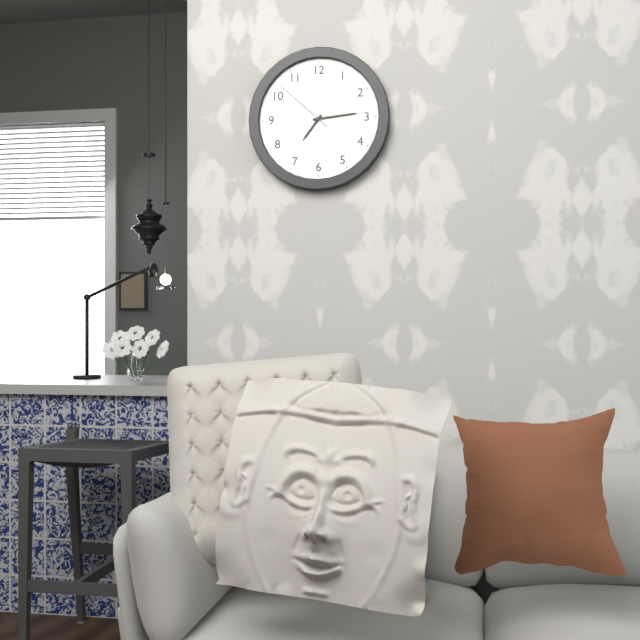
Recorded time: **7:14:52**
